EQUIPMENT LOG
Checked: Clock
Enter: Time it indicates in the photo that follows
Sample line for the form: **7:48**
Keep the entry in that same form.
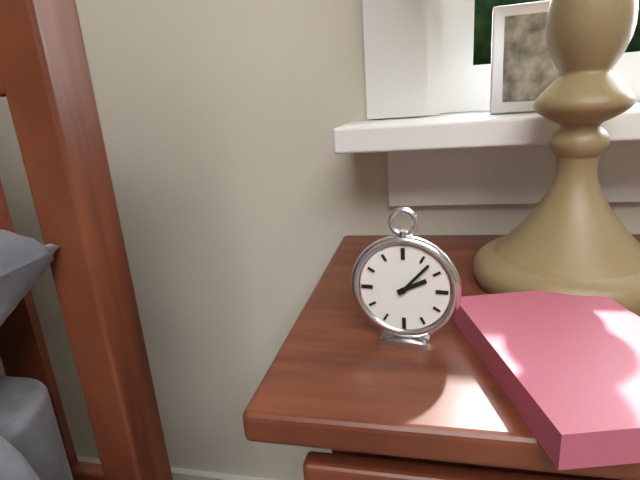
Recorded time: **2:07**
